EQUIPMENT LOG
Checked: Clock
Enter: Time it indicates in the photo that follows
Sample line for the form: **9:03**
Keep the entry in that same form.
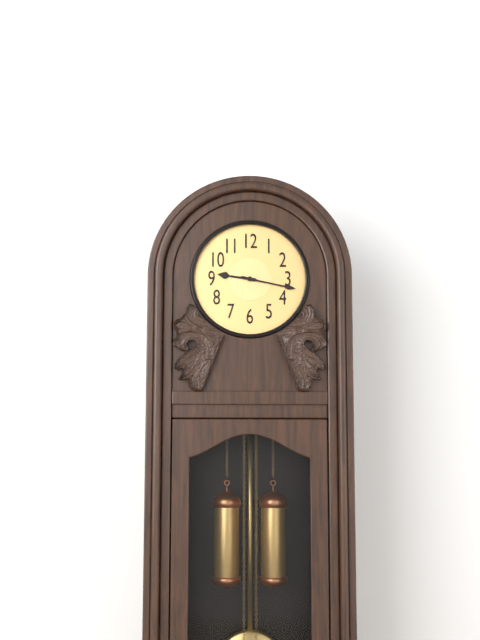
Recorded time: **9:17**
